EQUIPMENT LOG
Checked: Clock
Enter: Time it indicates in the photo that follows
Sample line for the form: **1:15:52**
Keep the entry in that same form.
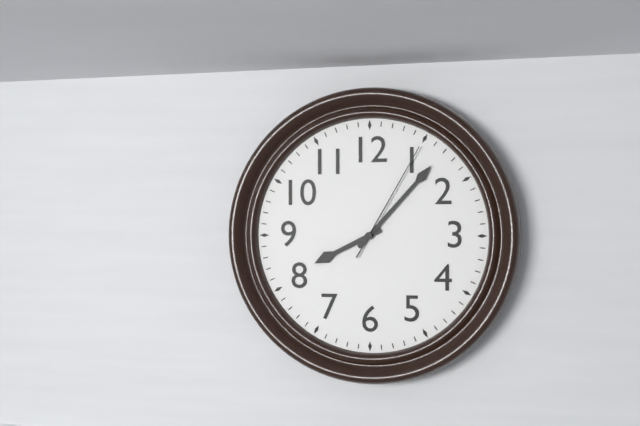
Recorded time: **8:07:05**
